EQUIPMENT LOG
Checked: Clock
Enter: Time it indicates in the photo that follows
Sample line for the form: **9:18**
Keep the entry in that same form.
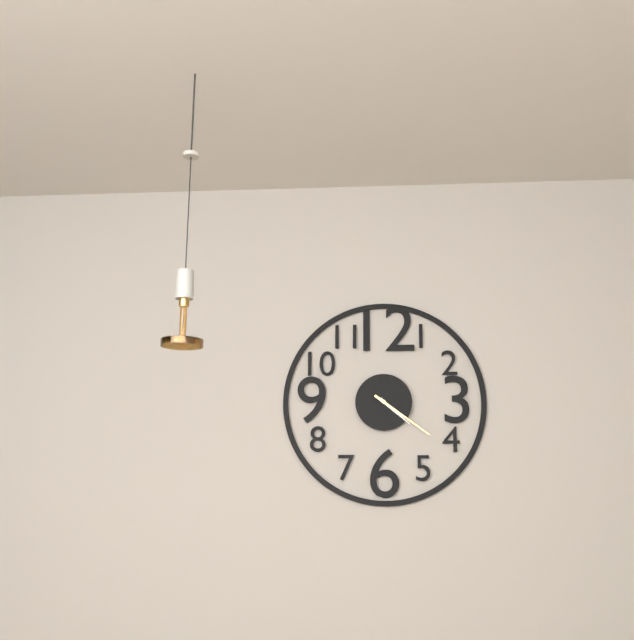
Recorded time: **4:21**
